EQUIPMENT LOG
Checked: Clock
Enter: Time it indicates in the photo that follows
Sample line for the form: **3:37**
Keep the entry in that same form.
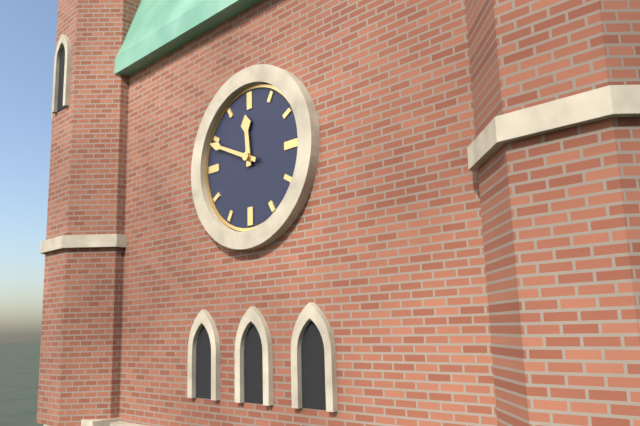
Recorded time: **11:49**
